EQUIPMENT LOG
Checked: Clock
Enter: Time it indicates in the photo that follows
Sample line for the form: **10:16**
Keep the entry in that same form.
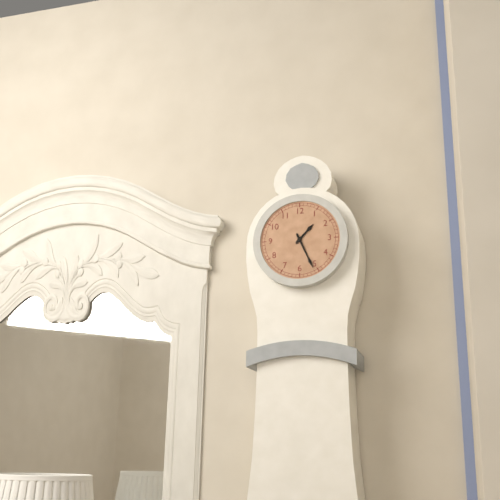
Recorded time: **1:26**
